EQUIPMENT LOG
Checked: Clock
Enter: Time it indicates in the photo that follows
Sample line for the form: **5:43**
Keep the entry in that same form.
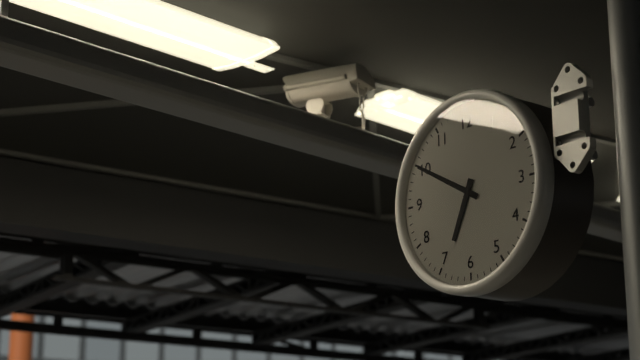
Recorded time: **6:50**
